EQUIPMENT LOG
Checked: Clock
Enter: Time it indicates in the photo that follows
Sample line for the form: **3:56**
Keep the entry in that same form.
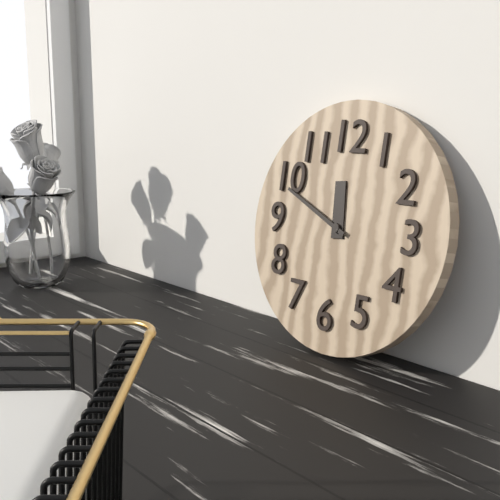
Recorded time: **11:49**
